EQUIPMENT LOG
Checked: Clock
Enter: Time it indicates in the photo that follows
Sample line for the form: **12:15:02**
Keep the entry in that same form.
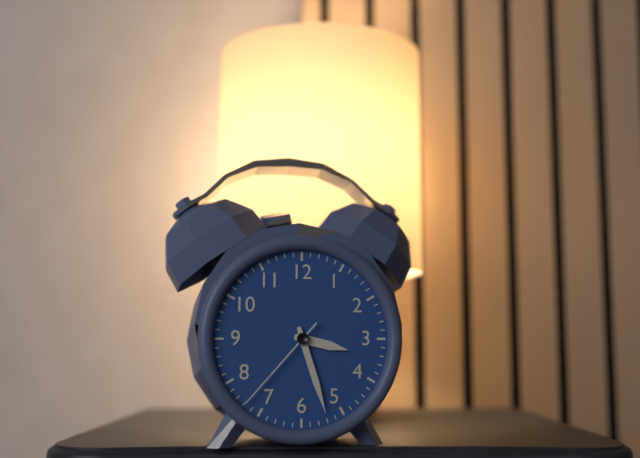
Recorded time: **3:27:37**
